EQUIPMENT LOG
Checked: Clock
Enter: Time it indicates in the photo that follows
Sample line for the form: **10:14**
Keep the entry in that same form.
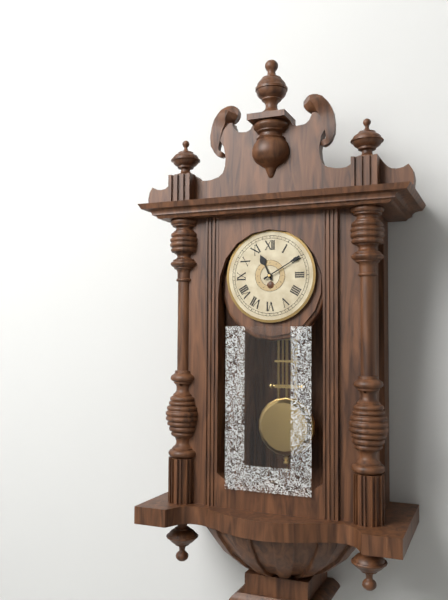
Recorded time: **11:10**
